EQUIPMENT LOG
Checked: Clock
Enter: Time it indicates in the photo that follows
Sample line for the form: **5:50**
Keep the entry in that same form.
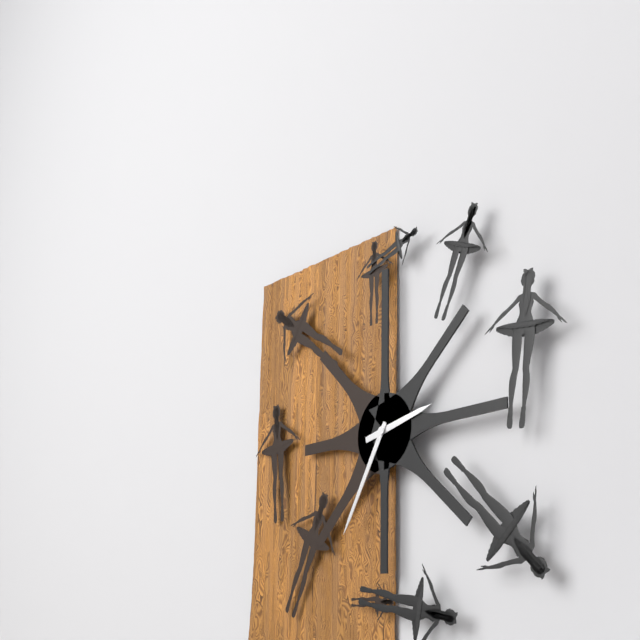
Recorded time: **2:35**
